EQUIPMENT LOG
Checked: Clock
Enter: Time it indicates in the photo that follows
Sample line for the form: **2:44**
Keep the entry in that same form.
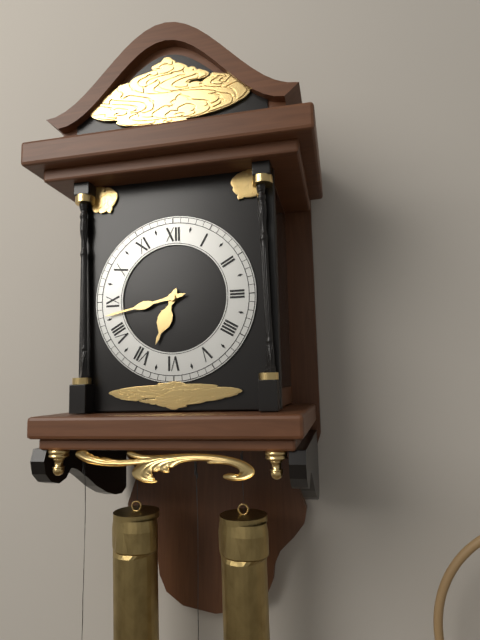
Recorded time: **6:43**
